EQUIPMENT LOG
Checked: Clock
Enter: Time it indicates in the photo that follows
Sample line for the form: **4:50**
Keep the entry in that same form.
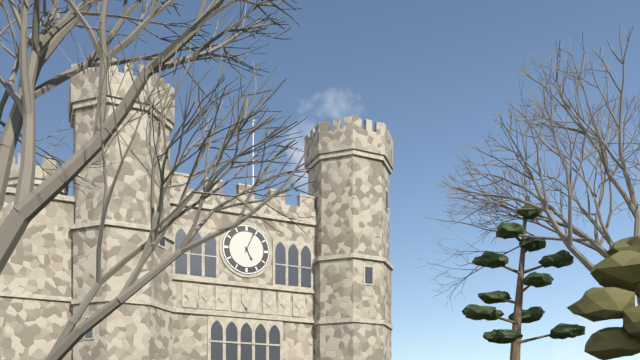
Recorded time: **5:04**
